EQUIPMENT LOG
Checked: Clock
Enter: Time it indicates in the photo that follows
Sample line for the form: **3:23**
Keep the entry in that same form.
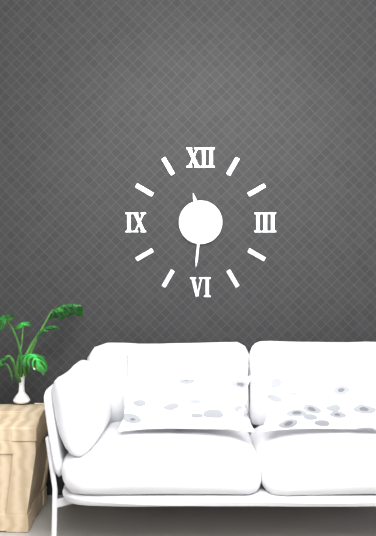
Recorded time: **11:31**
